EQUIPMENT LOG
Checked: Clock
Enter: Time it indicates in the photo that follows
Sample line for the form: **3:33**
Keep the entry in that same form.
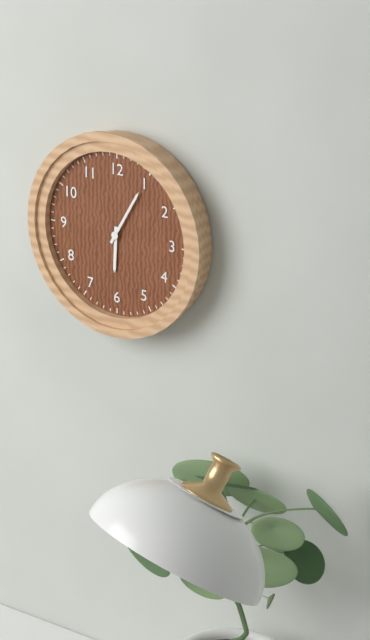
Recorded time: **6:05**
